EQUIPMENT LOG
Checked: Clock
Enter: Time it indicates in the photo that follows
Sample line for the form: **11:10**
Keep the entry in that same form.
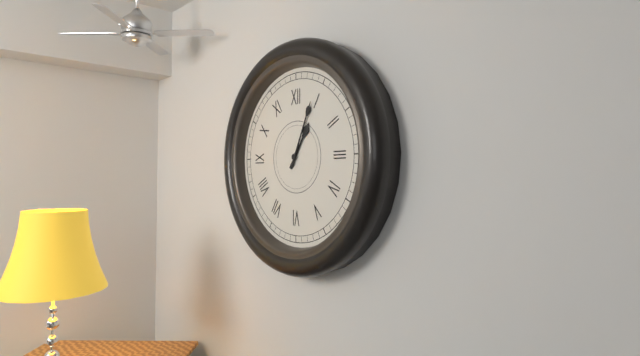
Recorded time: **1:04**
